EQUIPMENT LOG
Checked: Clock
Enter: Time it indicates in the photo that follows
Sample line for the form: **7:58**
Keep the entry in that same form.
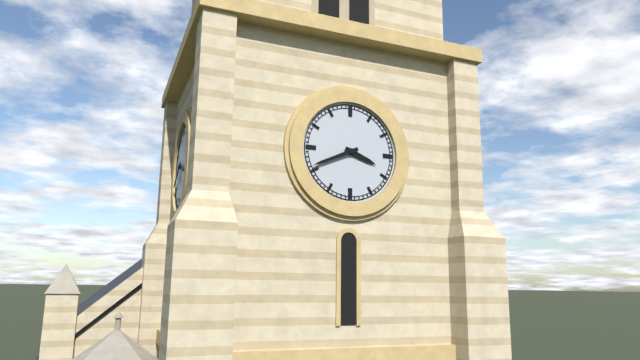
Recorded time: **3:41**
